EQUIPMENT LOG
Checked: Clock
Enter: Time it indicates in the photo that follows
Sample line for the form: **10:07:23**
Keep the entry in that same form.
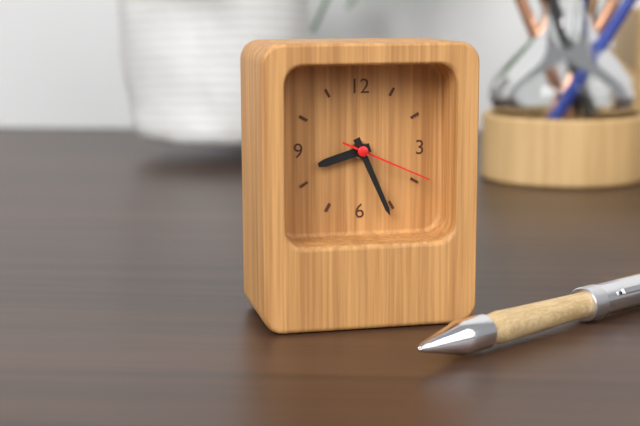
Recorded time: **8:26:19**
